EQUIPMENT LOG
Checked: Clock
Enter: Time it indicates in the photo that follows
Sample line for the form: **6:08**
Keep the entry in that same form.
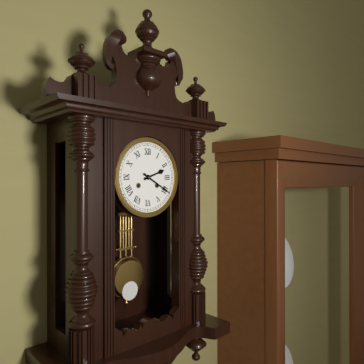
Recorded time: **2:20**
